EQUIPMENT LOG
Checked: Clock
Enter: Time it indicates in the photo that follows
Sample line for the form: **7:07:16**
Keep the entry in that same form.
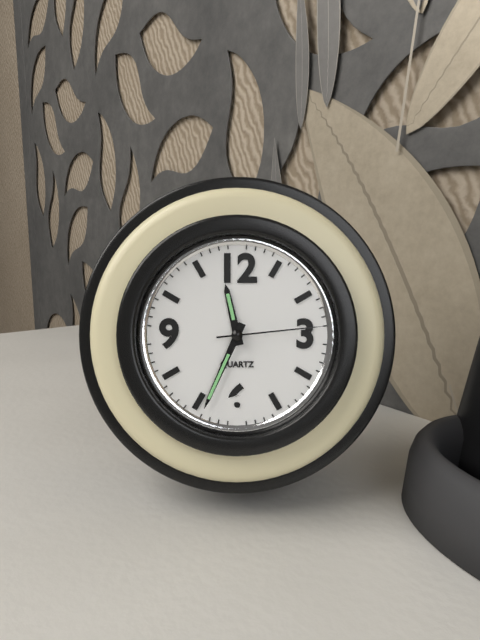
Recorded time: **11:34:14**
